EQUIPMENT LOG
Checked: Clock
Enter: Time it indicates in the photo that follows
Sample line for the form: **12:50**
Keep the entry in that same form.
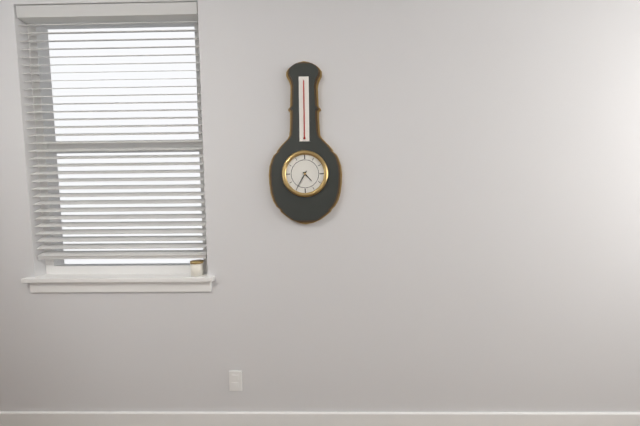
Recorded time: **4:35**
